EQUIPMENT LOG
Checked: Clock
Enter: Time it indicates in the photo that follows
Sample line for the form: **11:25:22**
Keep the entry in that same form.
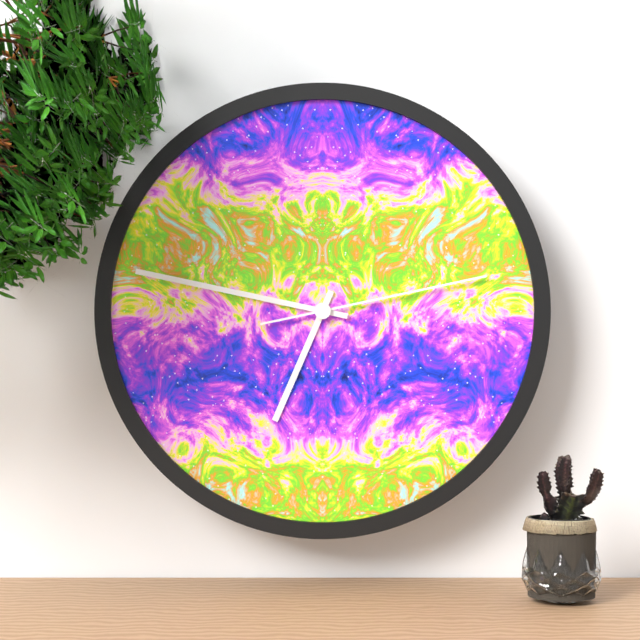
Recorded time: **6:47:13**
